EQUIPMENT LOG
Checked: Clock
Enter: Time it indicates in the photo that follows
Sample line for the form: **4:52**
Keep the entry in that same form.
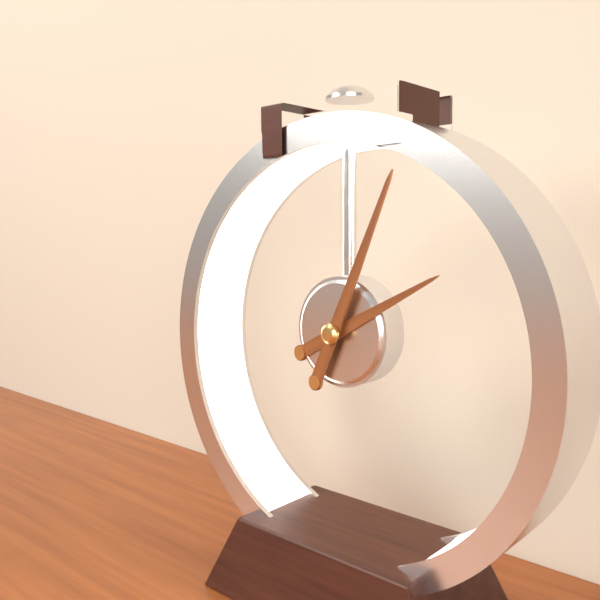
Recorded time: **2:04**
